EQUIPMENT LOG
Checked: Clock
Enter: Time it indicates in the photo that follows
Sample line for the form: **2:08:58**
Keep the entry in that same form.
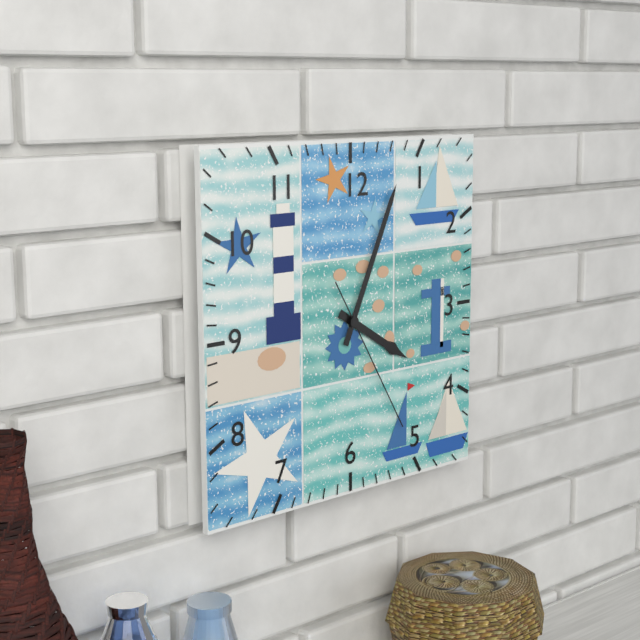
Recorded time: **4:04:25**
